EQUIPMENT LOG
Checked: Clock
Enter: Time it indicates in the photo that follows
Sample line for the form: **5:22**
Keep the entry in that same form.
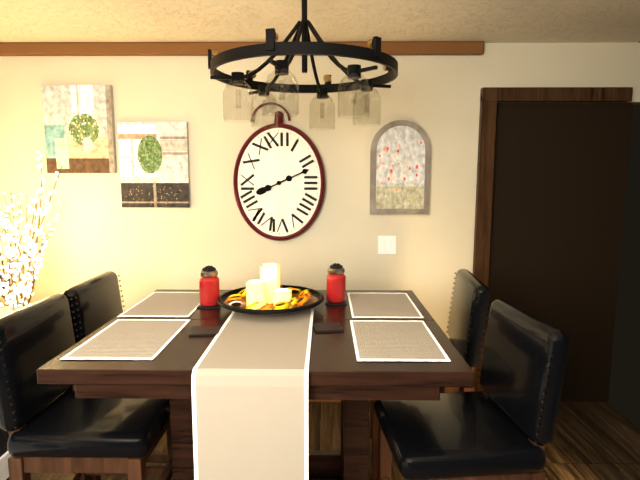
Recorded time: **8:11**
